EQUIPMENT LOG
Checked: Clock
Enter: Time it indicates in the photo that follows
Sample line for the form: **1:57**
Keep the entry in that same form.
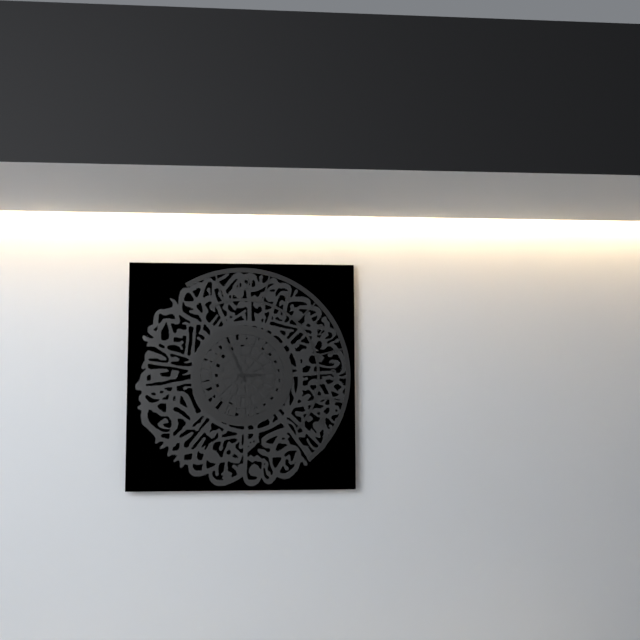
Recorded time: **2:56**
